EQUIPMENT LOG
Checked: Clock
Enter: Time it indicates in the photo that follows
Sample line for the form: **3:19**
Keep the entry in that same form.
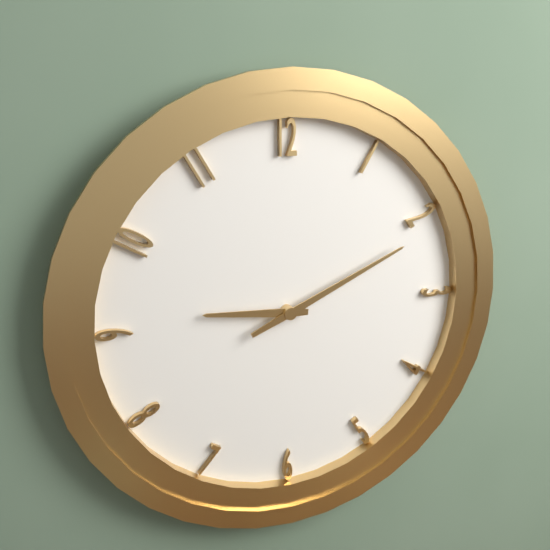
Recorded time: **9:11**
